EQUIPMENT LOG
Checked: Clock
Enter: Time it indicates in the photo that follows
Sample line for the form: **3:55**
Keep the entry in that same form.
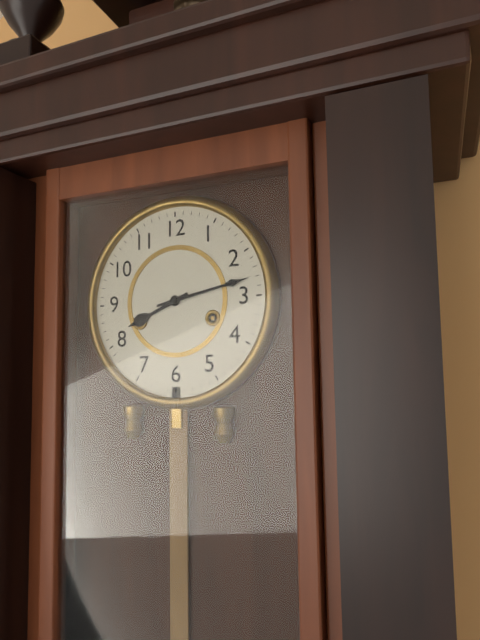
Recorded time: **8:13**
